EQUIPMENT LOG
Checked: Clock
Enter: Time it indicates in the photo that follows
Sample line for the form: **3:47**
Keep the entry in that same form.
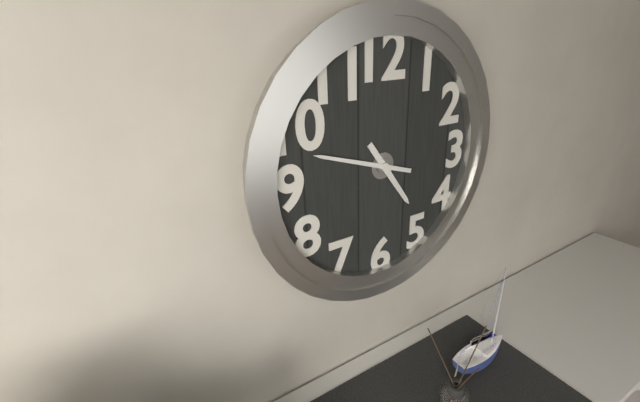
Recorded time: **4:48**
